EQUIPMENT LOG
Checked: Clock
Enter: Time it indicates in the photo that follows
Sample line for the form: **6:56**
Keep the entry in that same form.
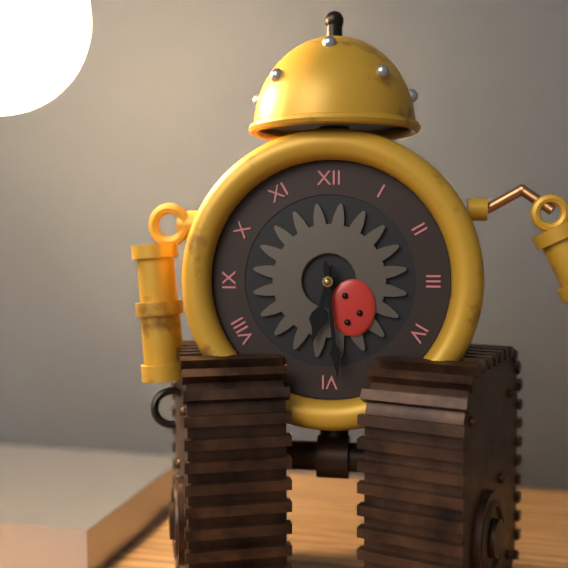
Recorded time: **6:29**
